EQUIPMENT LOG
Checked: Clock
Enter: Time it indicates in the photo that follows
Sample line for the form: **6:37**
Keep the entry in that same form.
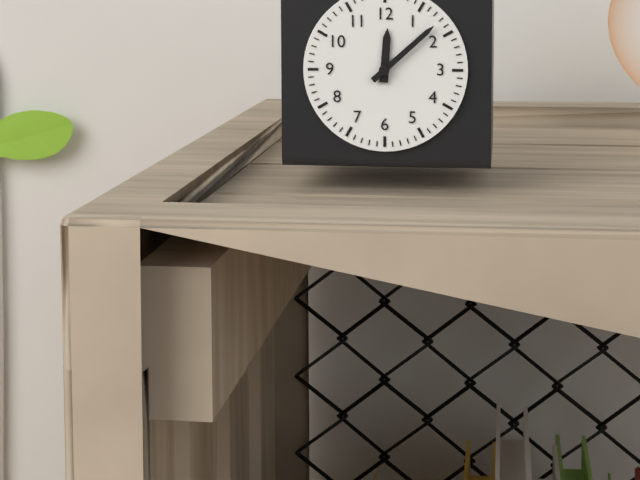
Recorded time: **12:08**
